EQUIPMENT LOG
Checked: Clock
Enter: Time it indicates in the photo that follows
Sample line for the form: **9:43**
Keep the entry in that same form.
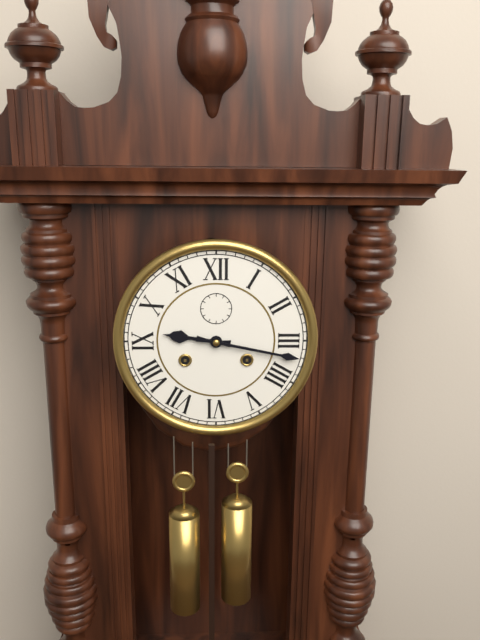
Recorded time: **9:17**
